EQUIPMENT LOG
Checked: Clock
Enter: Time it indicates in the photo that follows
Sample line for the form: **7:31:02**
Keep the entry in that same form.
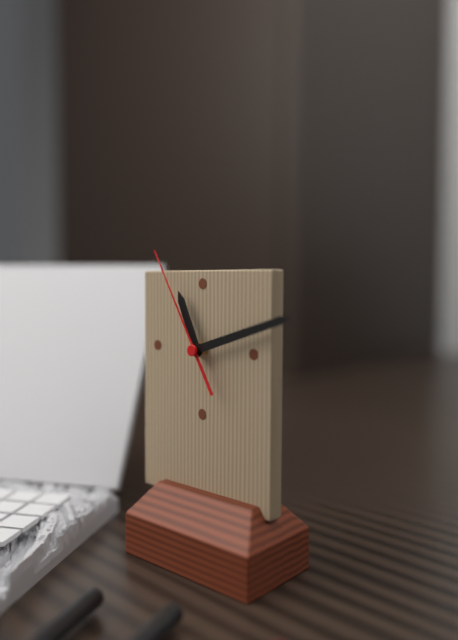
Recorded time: **11:12:55**
